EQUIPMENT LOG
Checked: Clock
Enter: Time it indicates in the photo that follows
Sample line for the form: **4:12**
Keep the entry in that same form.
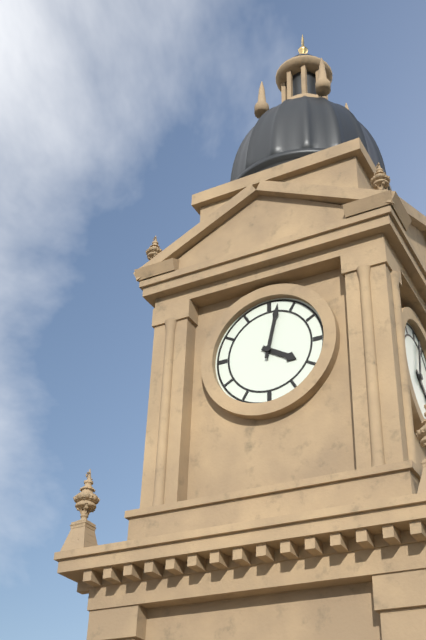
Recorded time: **4:02**
